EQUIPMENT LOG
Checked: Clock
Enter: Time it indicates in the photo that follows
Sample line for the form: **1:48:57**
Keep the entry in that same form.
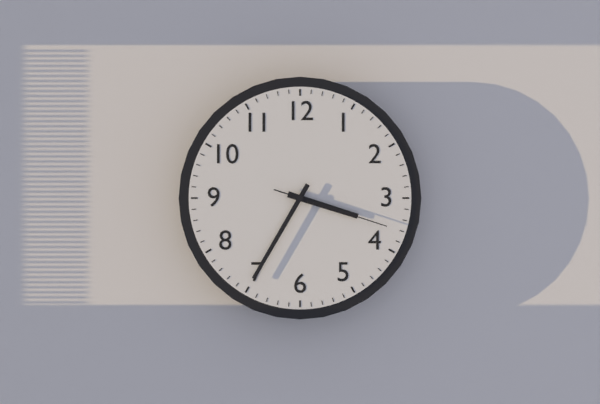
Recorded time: **3:35:18**
